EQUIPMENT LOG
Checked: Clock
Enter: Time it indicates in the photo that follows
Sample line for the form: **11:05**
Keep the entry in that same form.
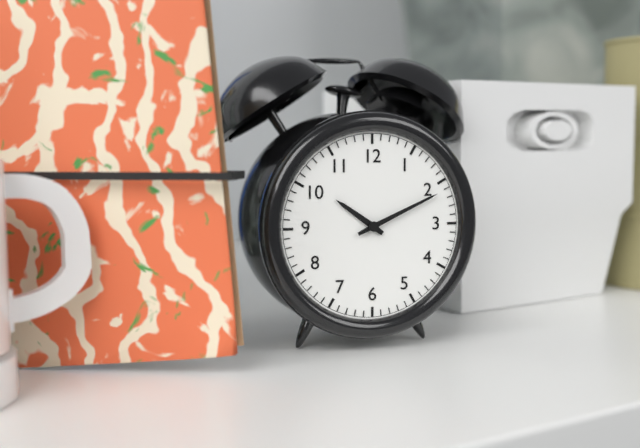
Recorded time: **10:11**
